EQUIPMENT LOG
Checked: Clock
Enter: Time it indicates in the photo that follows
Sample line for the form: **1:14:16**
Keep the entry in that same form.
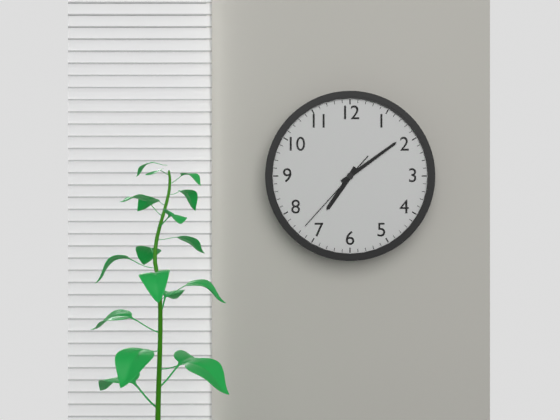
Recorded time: **7:09:37**
